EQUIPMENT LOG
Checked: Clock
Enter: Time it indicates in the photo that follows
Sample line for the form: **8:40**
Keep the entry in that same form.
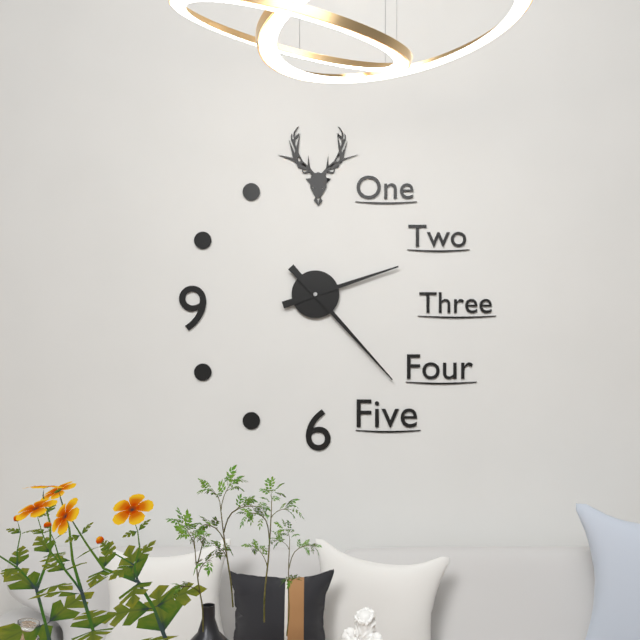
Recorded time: **2:23**
